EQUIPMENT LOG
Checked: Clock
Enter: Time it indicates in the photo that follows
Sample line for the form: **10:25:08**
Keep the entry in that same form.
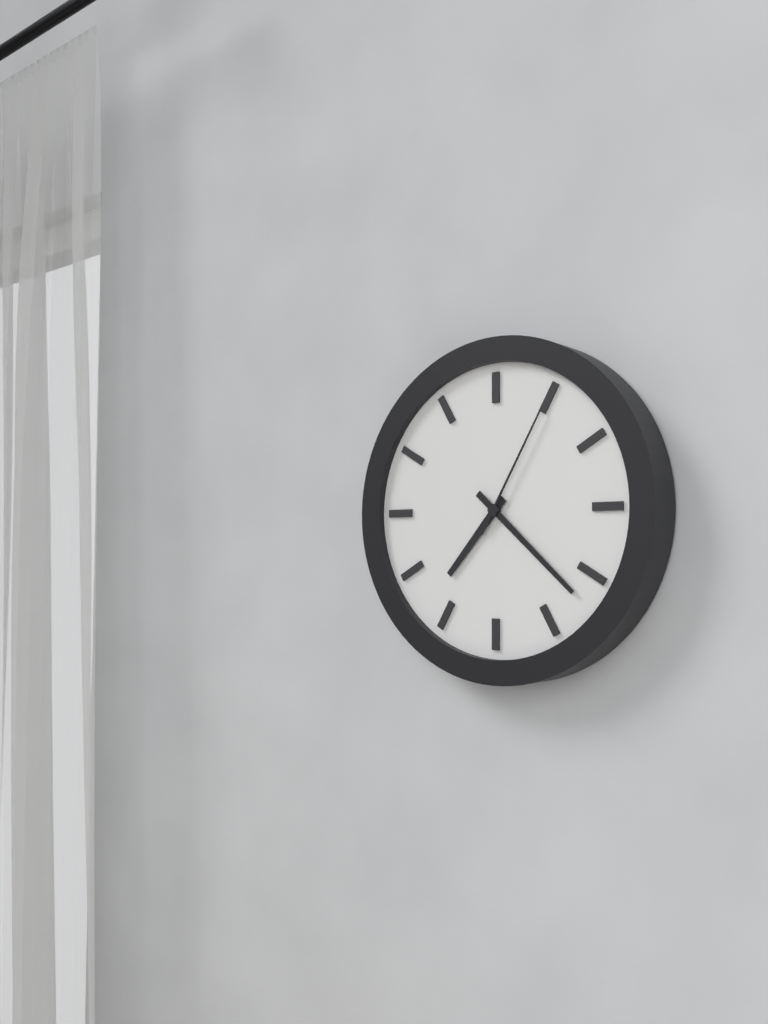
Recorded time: **7:22:05**
